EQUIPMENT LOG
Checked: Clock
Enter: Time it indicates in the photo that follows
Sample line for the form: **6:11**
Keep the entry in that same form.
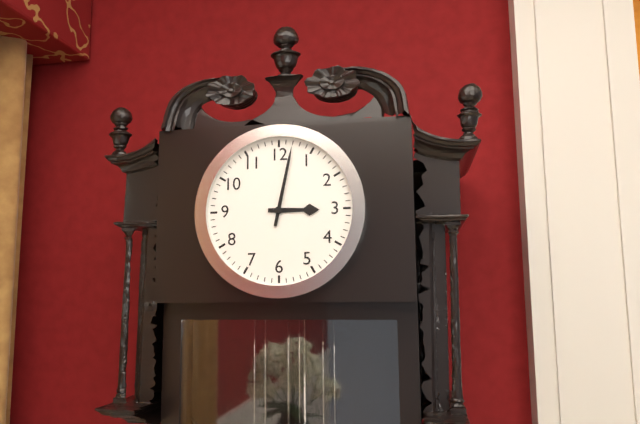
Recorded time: **3:02**
